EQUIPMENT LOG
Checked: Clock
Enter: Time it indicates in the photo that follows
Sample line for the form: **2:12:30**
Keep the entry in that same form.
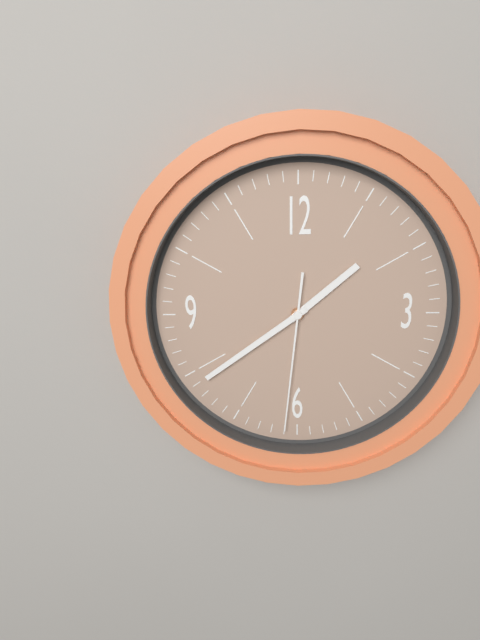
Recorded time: **1:39:31**
